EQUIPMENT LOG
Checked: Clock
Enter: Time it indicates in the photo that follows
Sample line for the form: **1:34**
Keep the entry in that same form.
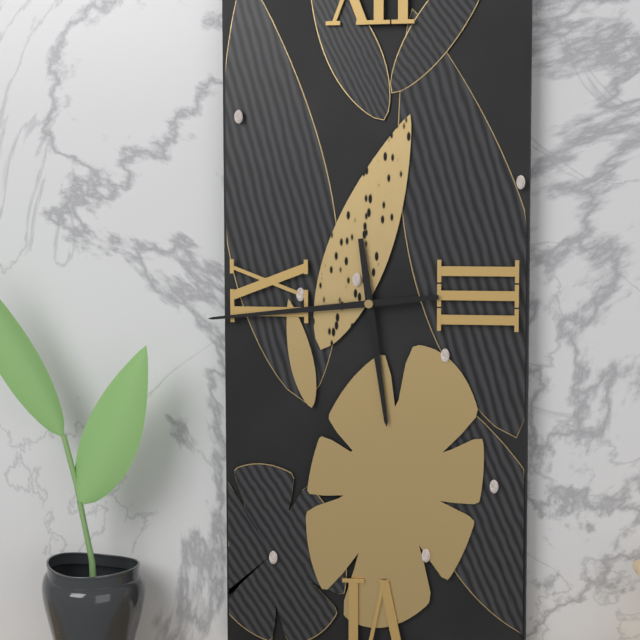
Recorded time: **5:44**
